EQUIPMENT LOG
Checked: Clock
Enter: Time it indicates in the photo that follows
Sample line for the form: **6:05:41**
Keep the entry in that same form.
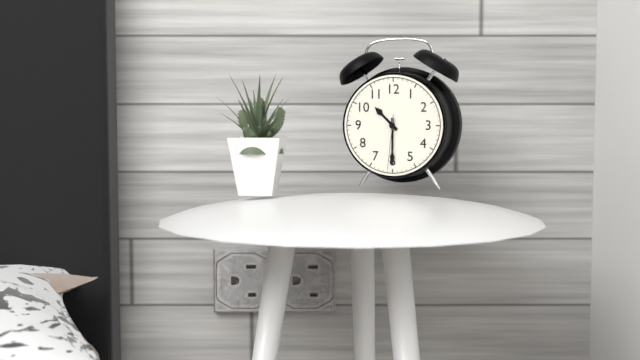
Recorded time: **10:30:31**
